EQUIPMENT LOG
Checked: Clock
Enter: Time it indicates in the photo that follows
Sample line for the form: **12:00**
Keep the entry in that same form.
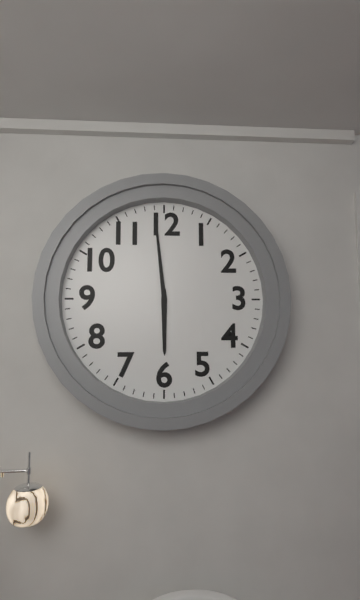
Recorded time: **5:59**
